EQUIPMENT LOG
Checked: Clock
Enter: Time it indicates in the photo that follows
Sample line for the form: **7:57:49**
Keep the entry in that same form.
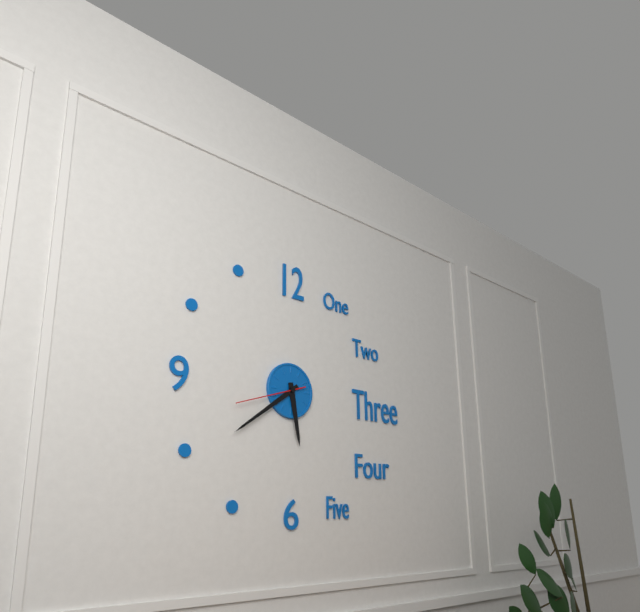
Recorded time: **5:39:42**
